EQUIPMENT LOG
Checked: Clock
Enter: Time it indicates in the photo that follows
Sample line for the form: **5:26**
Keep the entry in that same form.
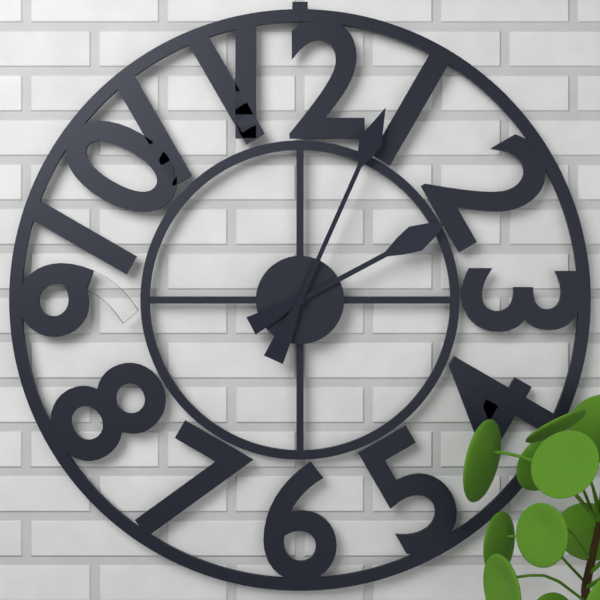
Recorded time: **2:04**
